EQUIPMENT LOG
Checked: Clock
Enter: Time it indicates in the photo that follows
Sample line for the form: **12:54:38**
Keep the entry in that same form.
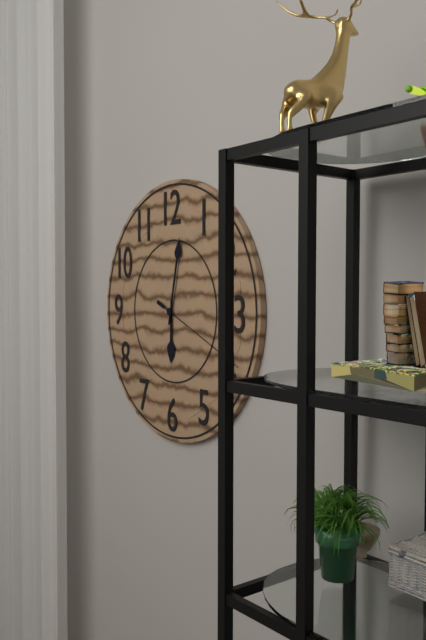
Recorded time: **6:02:19**
